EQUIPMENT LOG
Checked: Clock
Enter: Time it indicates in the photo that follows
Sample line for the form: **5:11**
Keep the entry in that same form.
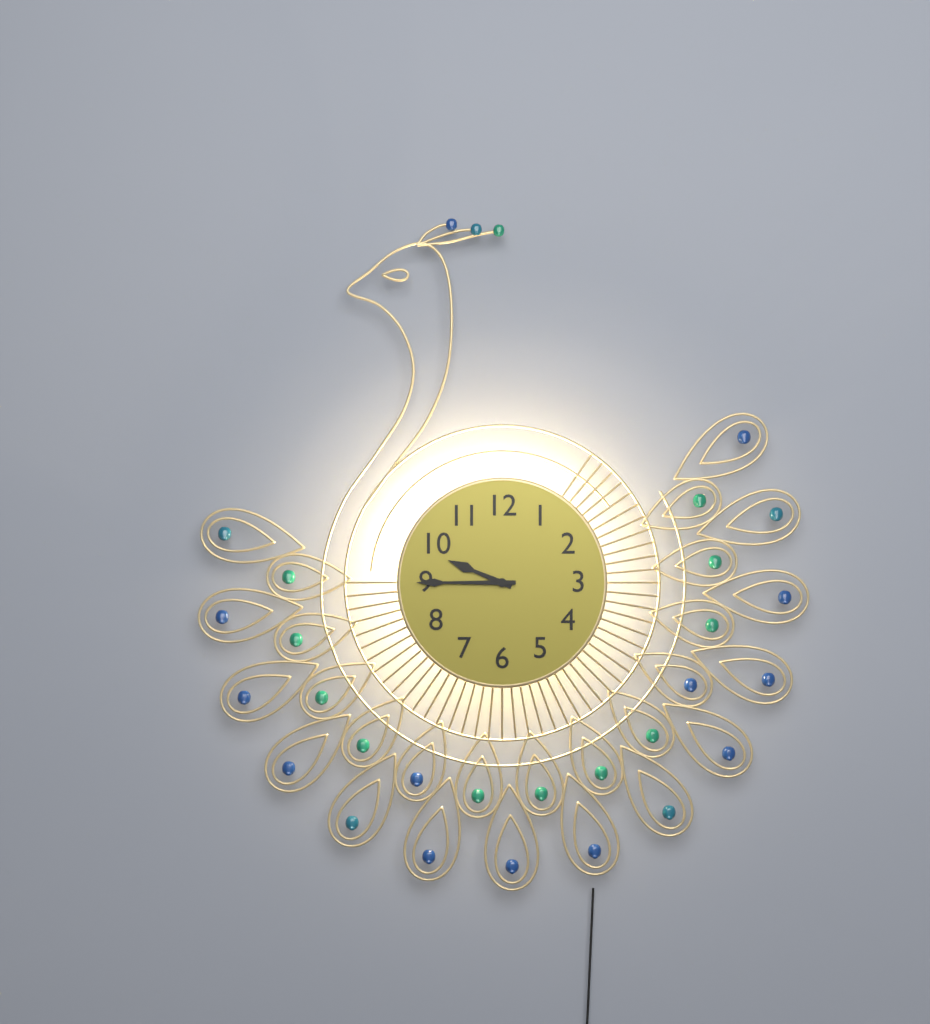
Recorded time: **9:45**
